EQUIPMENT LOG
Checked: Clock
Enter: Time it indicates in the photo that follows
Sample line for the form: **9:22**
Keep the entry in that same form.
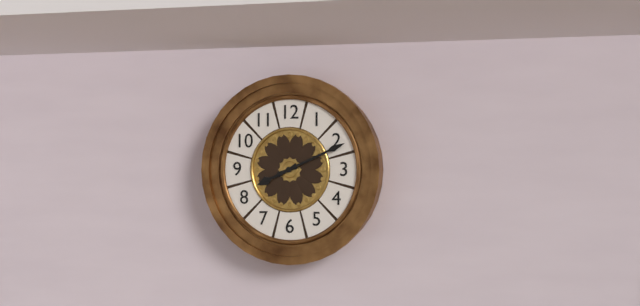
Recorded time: **8:11**
